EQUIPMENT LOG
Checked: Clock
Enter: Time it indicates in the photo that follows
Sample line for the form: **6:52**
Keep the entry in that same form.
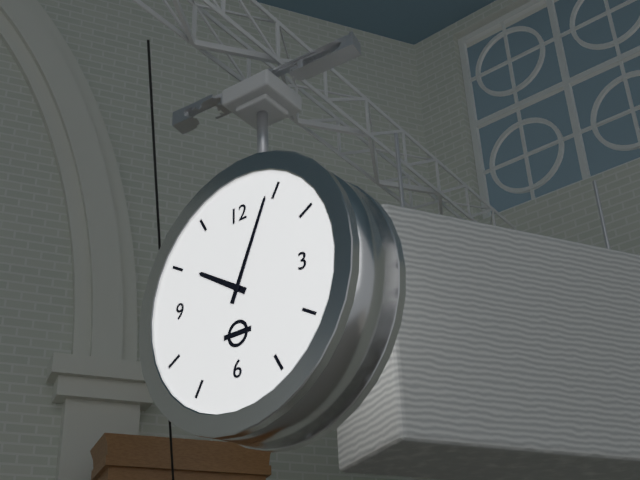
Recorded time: **10:04**
